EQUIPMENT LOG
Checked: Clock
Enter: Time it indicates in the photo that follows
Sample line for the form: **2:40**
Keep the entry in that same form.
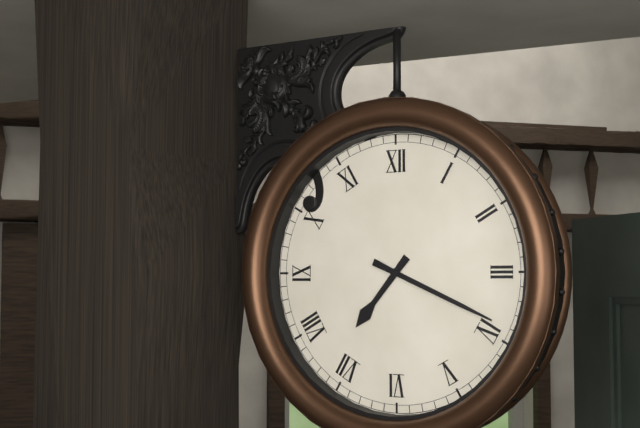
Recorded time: **7:19**
